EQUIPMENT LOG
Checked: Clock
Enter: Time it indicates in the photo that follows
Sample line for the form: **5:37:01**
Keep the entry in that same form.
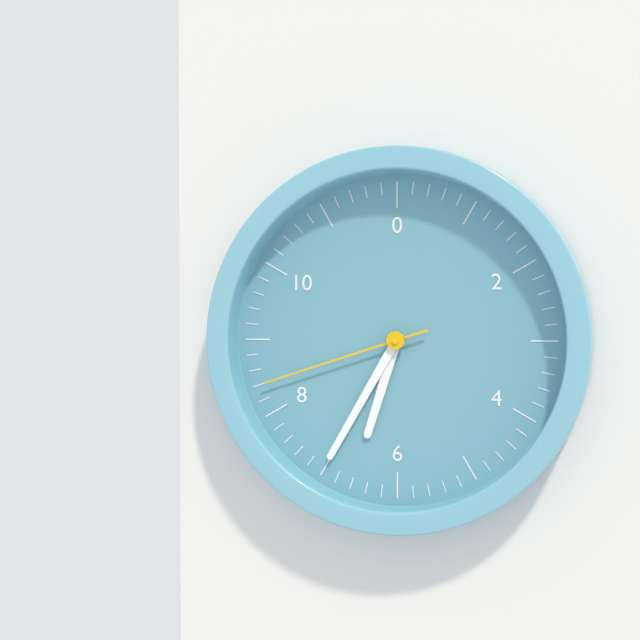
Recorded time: **6:35:42**
